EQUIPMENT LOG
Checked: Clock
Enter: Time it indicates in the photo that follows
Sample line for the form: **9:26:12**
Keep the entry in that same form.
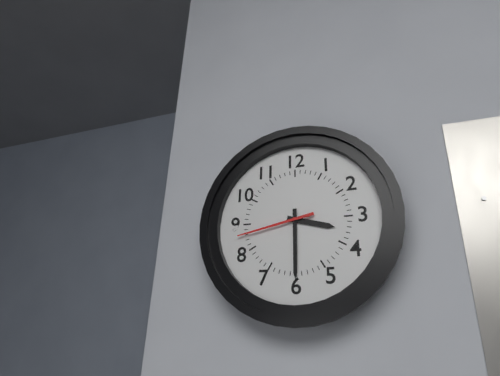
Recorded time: **3:30:43**
